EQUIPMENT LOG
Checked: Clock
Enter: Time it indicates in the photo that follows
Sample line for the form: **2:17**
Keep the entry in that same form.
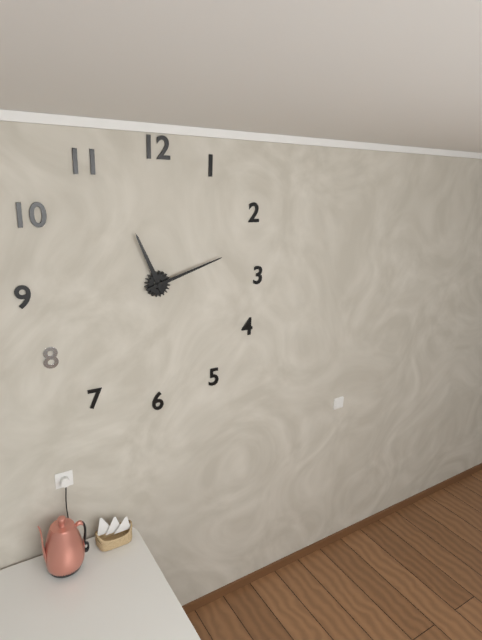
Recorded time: **11:12**
